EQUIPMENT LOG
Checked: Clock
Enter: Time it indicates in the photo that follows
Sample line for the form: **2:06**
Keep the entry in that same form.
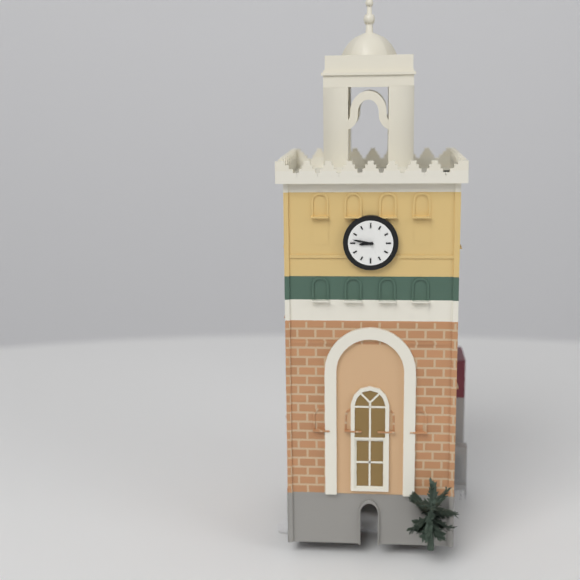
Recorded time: **8:47**
